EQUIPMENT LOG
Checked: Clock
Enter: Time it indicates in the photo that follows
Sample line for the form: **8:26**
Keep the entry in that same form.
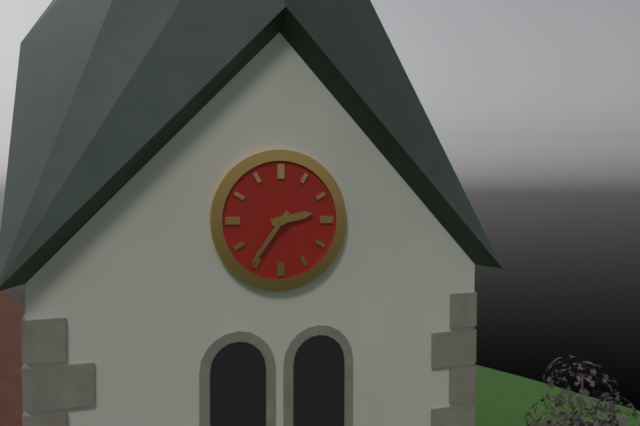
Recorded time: **2:36**
